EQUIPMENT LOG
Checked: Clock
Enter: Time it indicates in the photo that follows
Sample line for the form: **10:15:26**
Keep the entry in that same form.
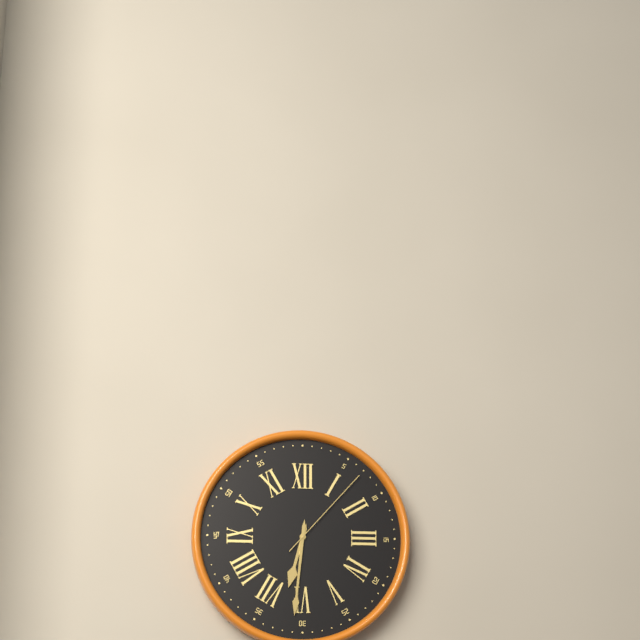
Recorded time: **6:31:07**
